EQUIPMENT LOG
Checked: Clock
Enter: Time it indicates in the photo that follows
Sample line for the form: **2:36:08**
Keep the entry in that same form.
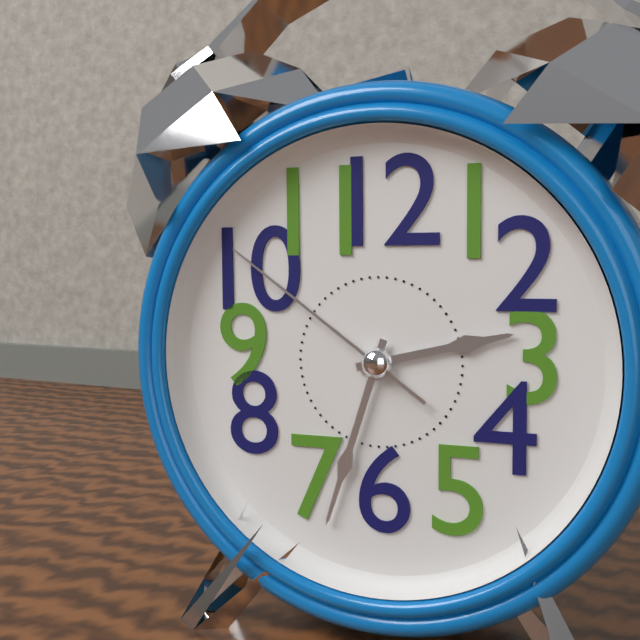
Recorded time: **2:33:51**
